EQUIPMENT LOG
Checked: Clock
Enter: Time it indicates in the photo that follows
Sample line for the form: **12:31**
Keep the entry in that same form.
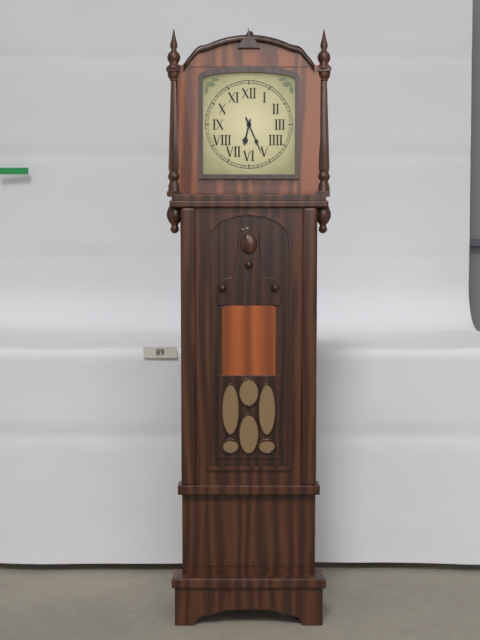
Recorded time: **6:26**
